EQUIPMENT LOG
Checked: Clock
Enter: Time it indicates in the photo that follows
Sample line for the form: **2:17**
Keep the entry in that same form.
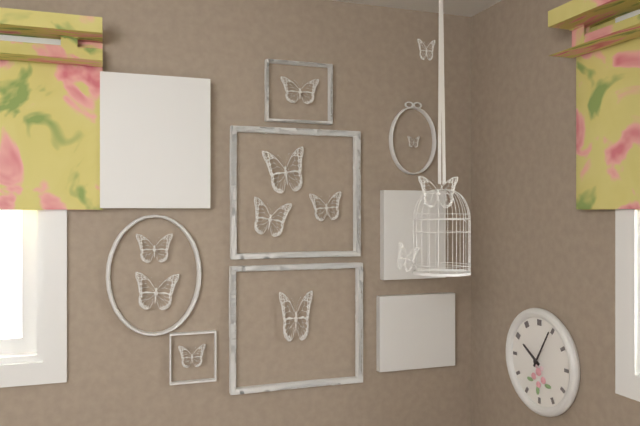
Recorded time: **10:05**
